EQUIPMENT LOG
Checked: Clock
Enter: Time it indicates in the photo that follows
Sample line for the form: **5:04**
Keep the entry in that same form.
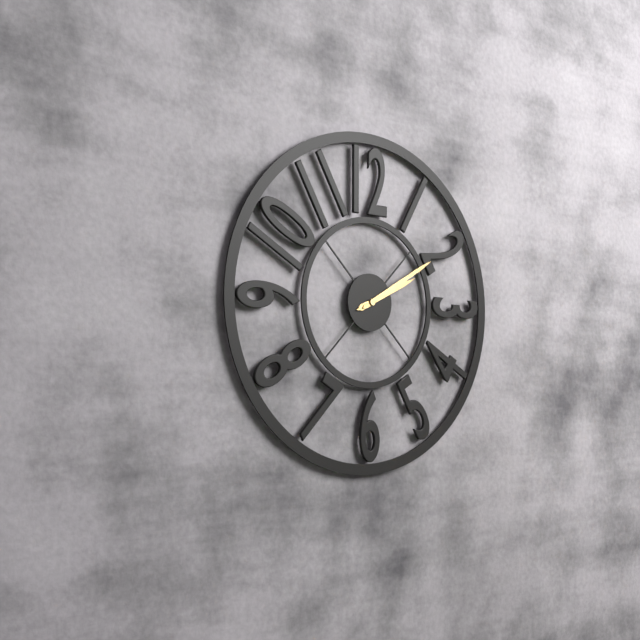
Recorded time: **2:10**
